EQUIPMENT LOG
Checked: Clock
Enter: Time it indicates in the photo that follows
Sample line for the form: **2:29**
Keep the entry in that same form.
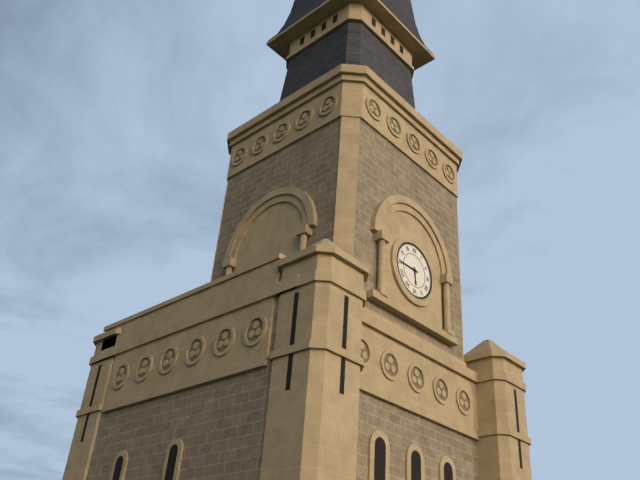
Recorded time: **5:45**
